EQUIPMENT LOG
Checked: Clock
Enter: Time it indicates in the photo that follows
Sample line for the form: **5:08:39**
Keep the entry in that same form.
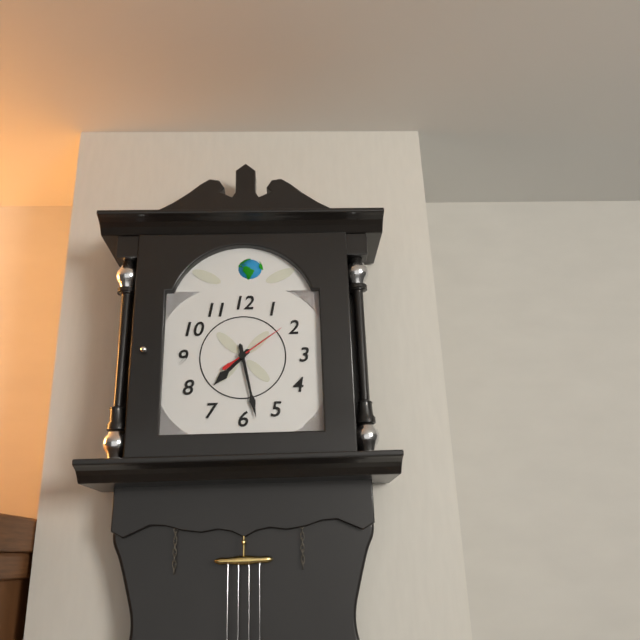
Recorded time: **7:28:09**
